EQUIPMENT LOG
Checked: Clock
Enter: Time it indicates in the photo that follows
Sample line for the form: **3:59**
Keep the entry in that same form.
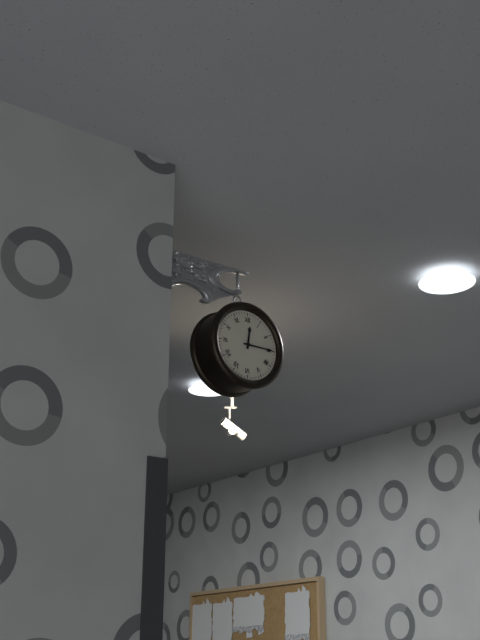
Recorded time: **12:15**
